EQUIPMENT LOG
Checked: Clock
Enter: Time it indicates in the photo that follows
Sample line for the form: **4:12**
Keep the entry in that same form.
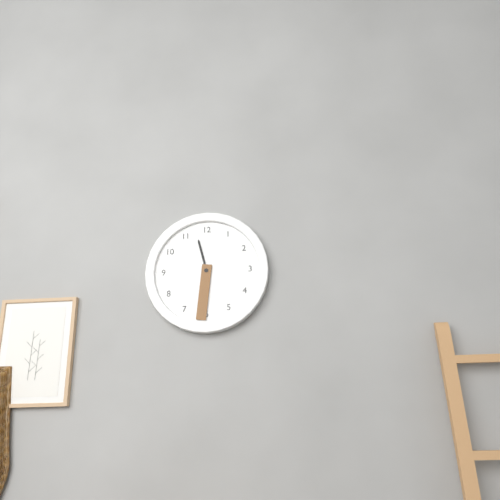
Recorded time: **11:31**
